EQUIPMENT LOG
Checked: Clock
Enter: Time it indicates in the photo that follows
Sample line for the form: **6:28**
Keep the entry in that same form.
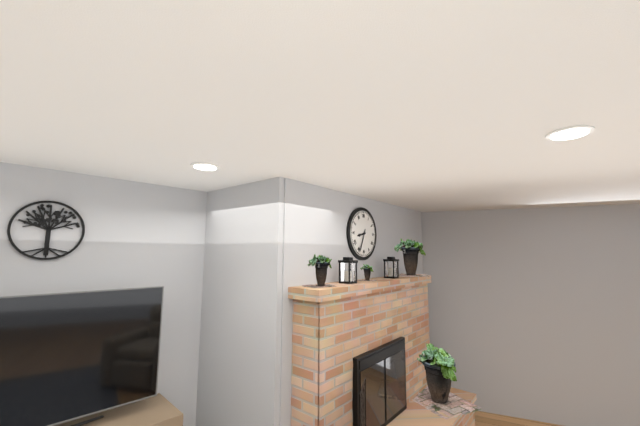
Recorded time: **8:34**
